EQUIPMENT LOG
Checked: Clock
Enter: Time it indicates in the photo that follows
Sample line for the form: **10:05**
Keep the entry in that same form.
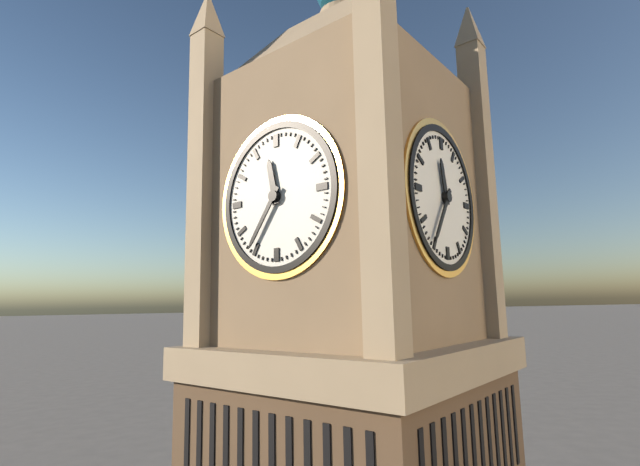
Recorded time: **11:36**
